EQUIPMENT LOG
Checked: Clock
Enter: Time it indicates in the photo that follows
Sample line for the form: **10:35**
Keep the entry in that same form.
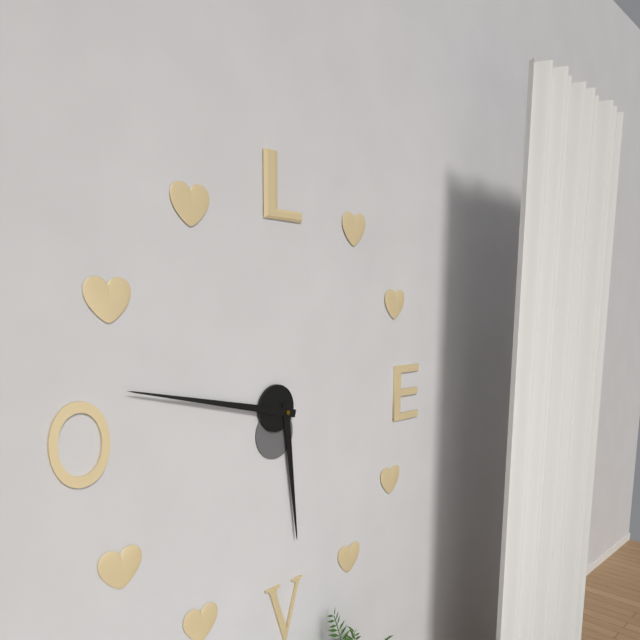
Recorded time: **5:47**
